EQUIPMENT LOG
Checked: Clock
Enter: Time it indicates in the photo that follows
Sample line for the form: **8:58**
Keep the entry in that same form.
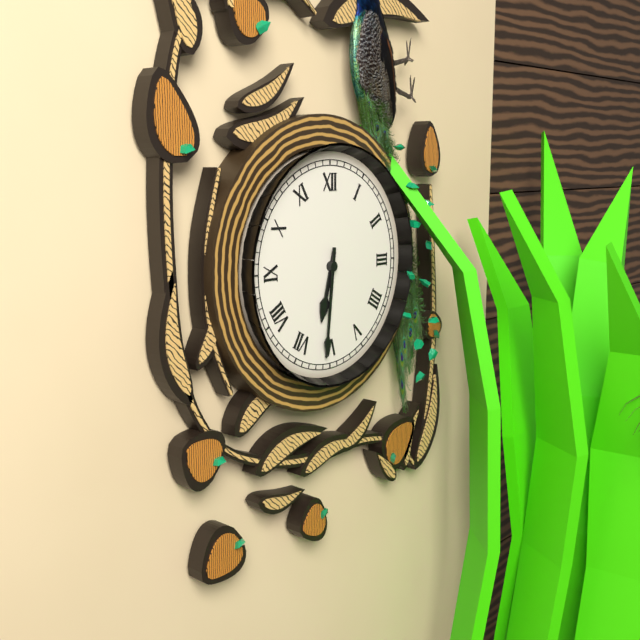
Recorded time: **6:31**
